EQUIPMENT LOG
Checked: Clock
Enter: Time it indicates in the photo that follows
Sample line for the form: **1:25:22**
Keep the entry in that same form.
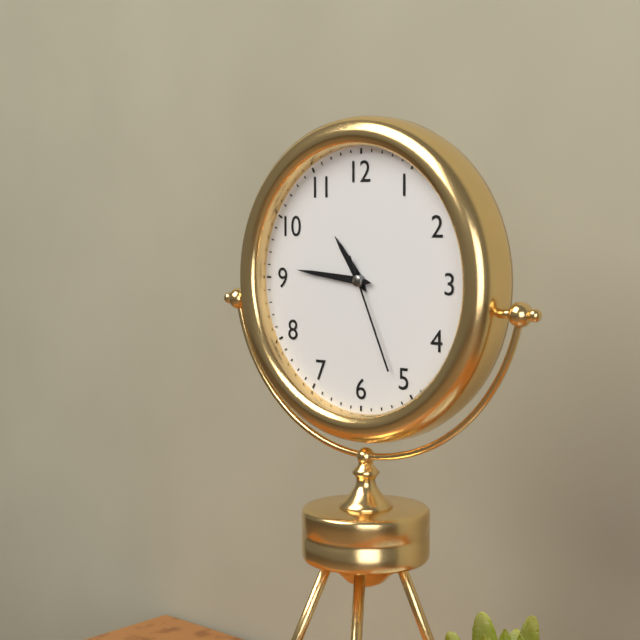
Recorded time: **10:46:26**
